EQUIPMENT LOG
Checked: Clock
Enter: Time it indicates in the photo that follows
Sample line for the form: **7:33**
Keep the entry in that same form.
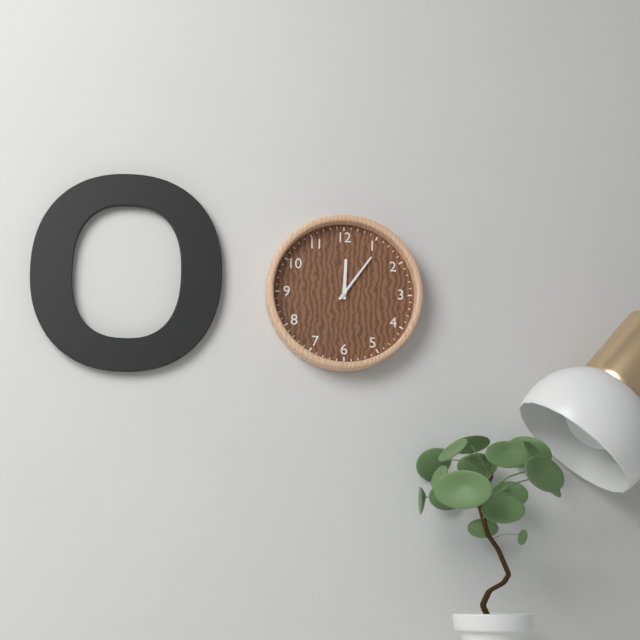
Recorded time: **12:06**
